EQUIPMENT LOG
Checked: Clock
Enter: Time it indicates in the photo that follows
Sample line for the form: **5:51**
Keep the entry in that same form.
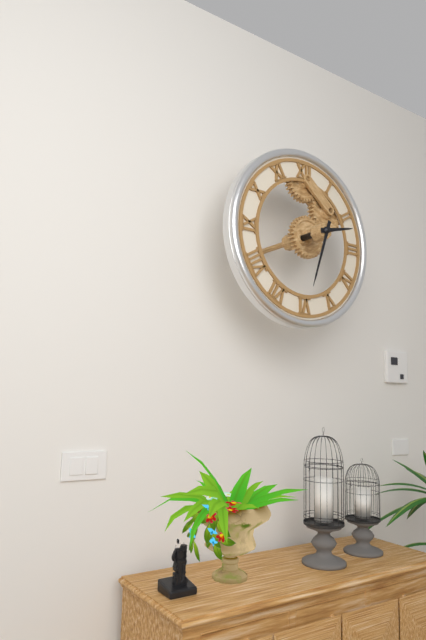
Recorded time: **2:33**
